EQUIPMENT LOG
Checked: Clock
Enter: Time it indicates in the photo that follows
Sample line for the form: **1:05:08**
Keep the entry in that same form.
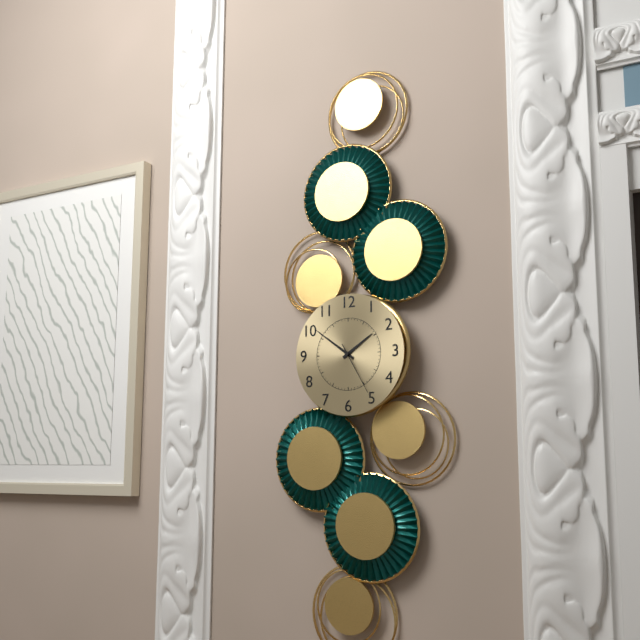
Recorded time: **1:51:25**
